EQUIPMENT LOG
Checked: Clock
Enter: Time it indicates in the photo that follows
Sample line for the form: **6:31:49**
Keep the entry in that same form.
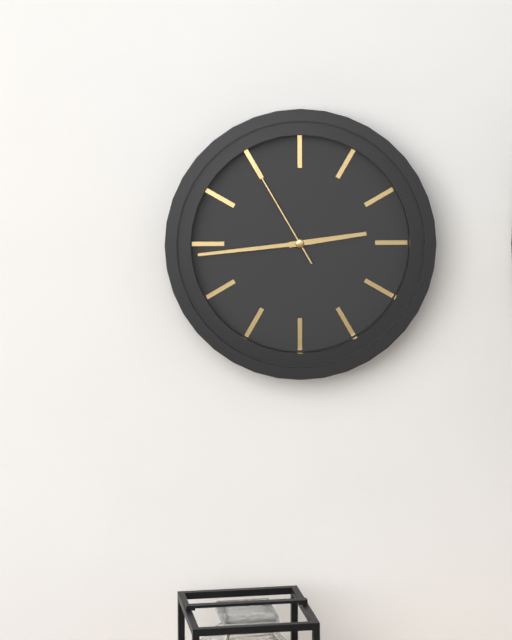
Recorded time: **2:44:55**
